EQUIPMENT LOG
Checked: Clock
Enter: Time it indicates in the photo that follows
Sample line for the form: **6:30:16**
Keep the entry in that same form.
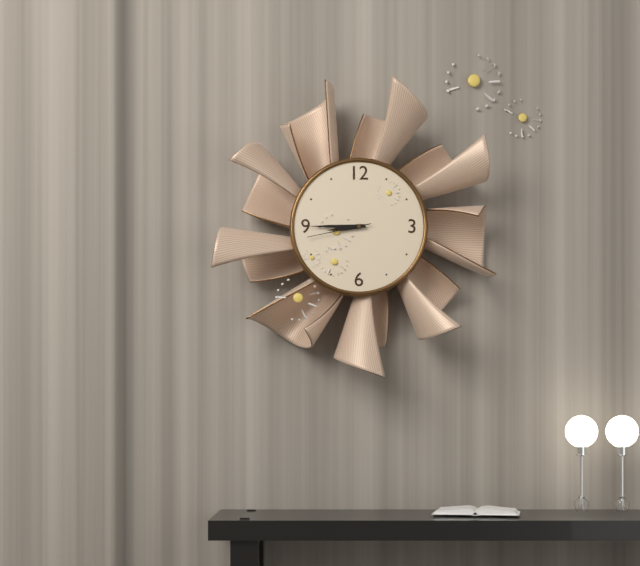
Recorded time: **8:45:43**
